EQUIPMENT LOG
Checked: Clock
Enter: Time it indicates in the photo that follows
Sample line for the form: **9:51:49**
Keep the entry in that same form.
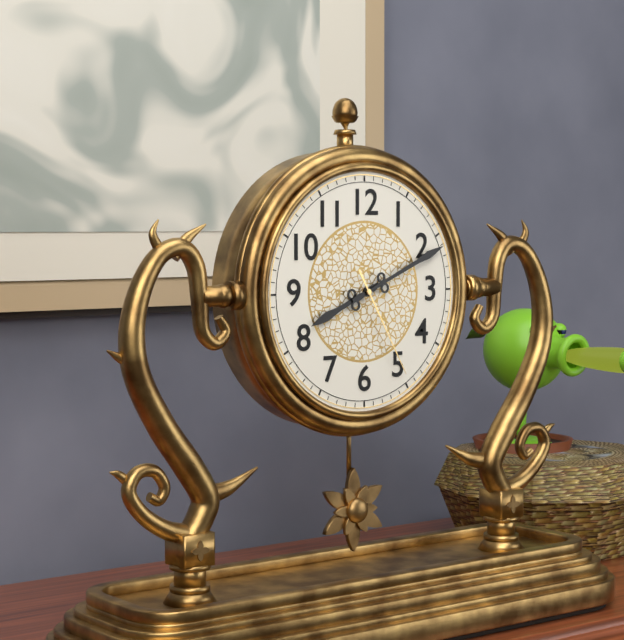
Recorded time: **8:11:25**
